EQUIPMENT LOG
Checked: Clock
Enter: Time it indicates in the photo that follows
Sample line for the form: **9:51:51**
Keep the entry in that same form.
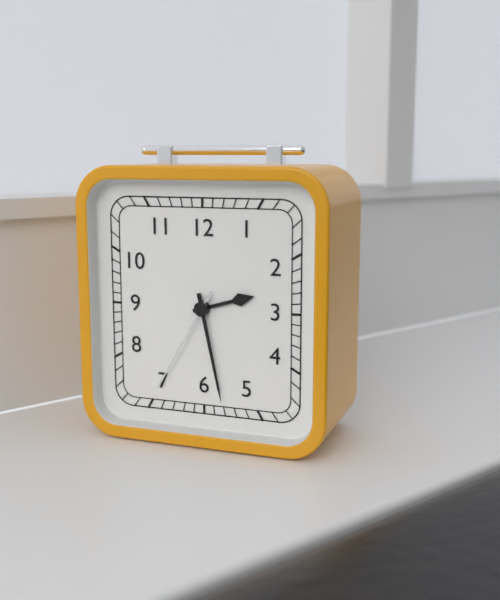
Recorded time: **2:28:35**
